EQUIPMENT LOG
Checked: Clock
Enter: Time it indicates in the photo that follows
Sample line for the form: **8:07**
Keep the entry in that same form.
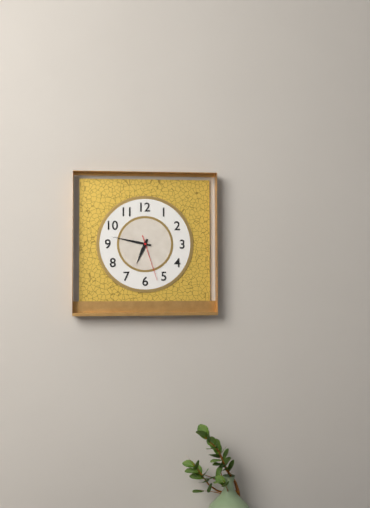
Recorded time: **6:47**
